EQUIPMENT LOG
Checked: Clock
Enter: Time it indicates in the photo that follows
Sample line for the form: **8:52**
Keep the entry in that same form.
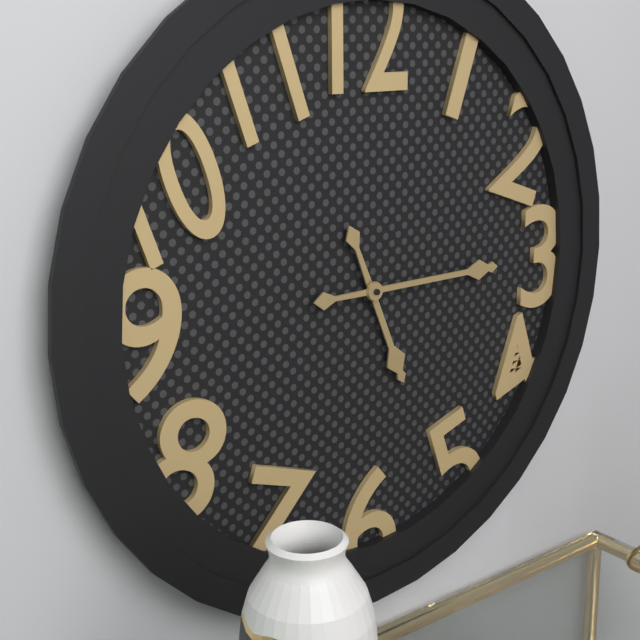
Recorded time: **5:15**
